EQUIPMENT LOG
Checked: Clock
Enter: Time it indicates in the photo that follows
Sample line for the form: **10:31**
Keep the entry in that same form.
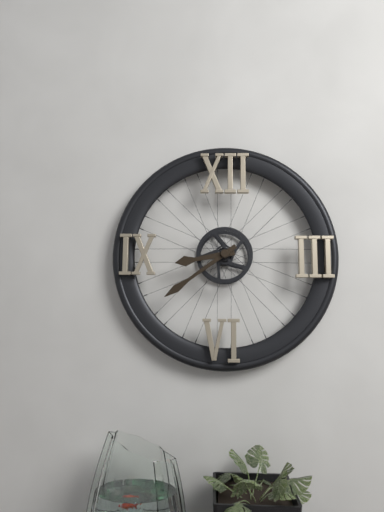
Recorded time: **8:39**
